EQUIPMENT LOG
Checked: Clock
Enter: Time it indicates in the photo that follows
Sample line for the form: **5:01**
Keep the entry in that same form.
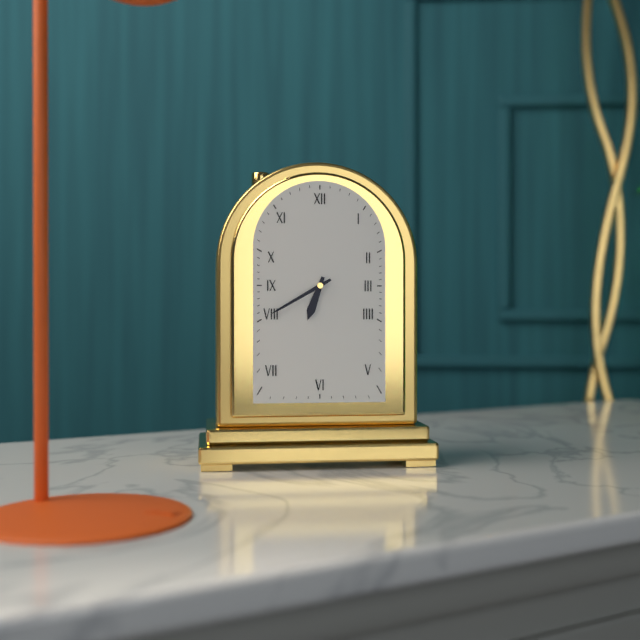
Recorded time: **6:40**
